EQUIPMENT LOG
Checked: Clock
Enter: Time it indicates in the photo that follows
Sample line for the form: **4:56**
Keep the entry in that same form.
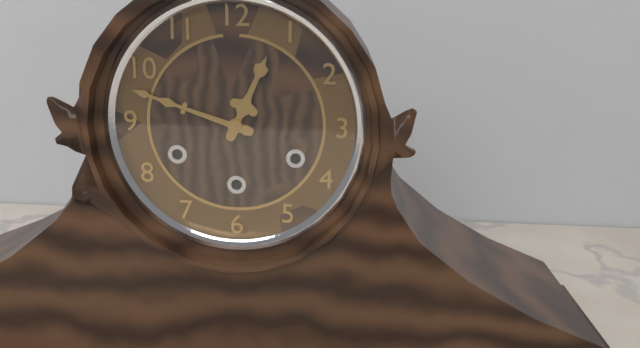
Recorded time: **12:48**
